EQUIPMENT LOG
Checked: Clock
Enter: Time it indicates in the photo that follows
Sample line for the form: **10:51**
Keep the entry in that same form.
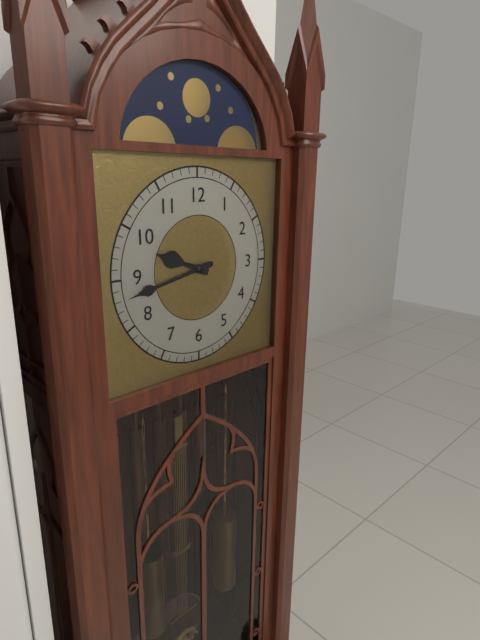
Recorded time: **9:43**
